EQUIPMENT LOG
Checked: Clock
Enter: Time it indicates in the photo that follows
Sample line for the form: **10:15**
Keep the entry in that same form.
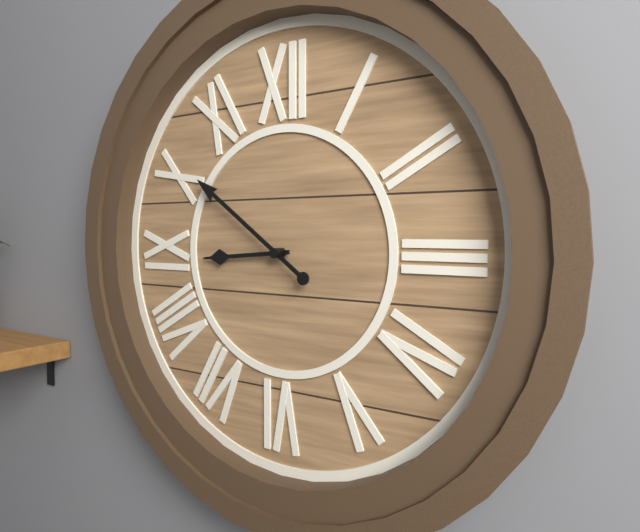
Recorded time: **8:51**
